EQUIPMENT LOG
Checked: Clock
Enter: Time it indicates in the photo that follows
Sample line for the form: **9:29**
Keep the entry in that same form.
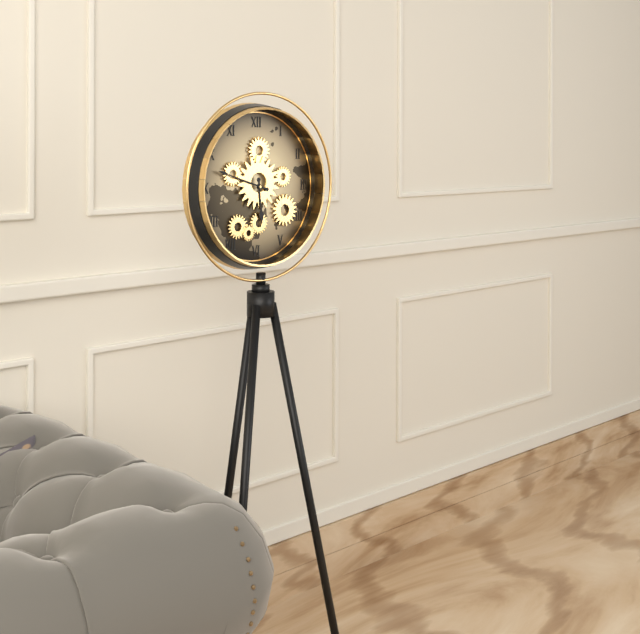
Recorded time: **5:48**
